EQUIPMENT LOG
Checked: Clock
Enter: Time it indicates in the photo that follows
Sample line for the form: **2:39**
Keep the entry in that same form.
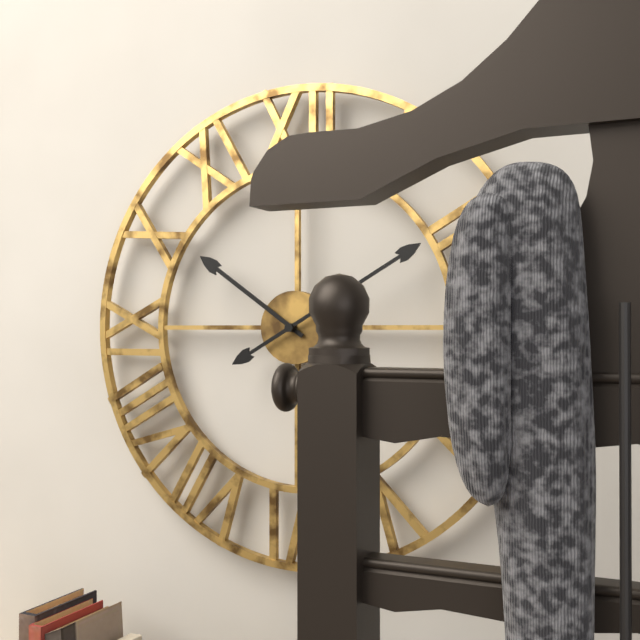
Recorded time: **10:10**
